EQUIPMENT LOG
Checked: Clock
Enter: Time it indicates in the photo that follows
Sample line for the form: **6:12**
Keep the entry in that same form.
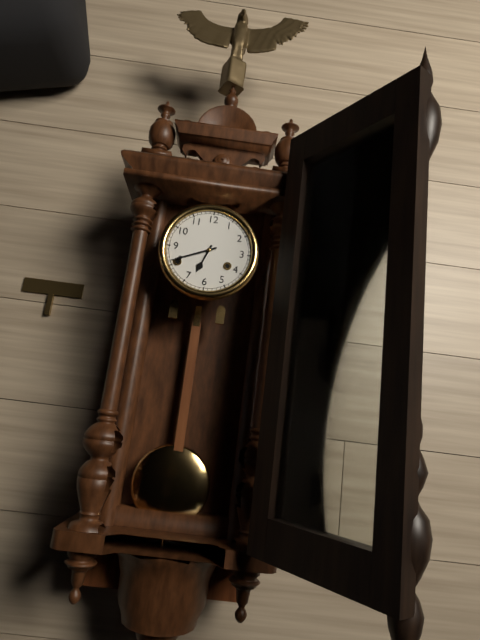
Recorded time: **6:41**
